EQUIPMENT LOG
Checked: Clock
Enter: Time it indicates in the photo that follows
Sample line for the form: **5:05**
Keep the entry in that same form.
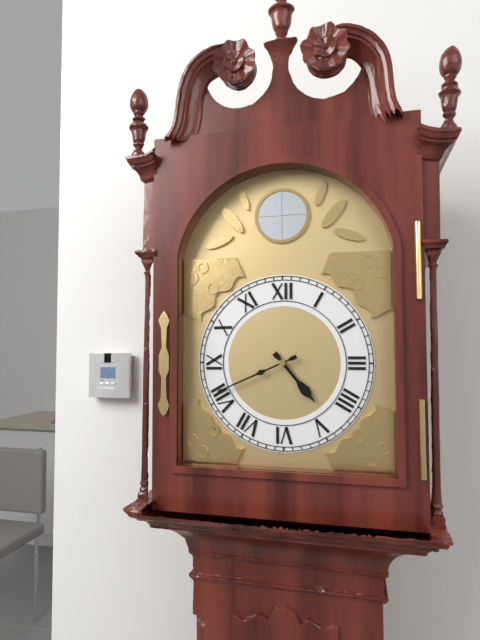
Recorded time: **4:41**
